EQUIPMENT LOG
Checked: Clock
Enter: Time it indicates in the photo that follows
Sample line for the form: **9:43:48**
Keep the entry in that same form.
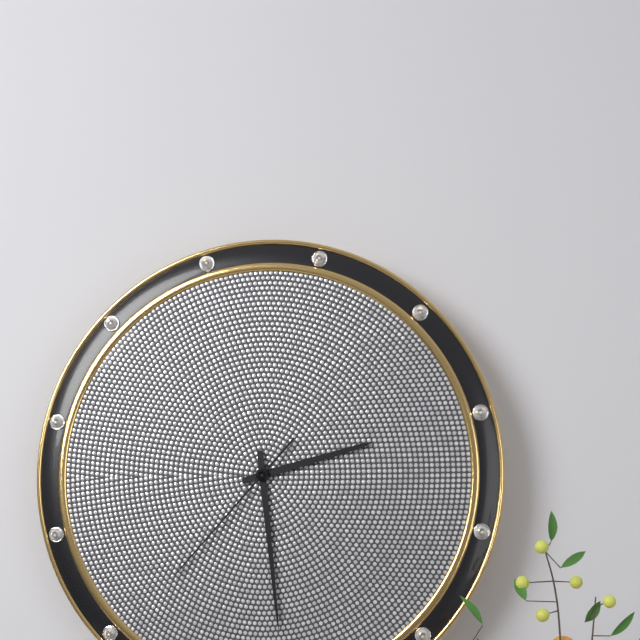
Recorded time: **2:29:37**
